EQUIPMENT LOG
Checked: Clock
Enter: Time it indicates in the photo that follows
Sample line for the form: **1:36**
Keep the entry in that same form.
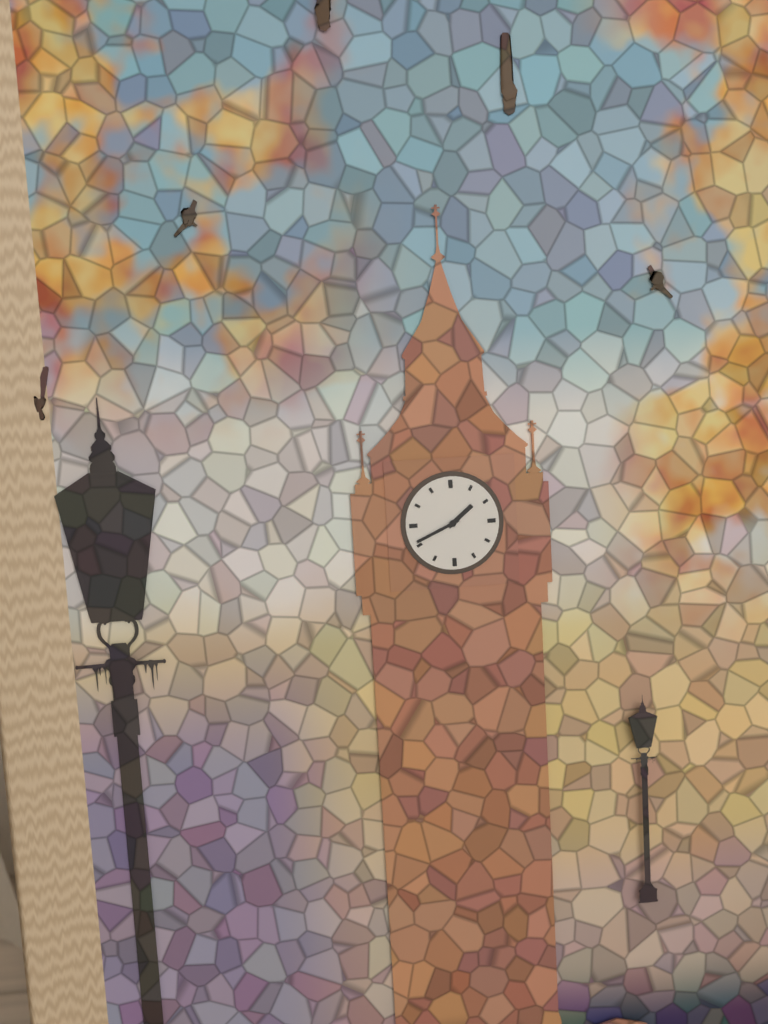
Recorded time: **1:41**
